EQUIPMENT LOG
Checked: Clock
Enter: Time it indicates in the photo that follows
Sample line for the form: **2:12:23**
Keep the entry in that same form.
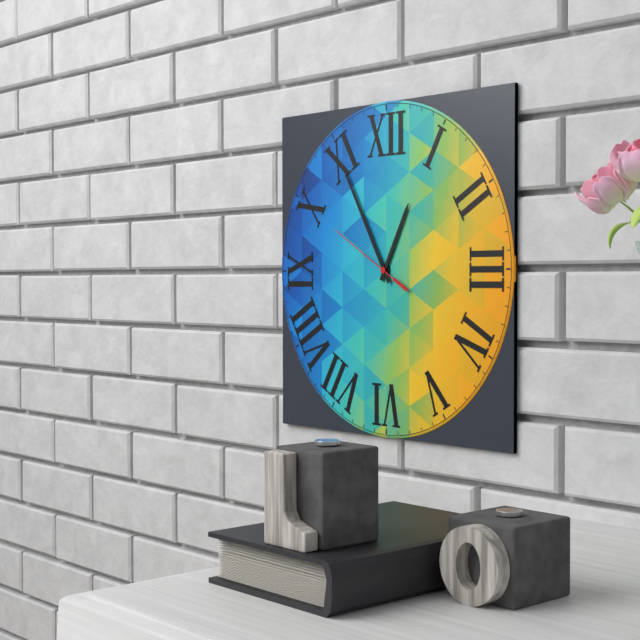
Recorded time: **12:55:50**
